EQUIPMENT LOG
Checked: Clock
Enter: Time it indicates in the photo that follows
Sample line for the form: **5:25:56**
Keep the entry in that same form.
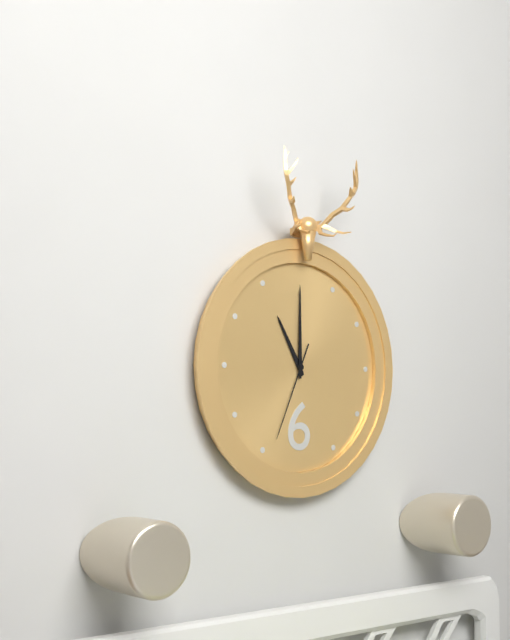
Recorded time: **11:00:34**
